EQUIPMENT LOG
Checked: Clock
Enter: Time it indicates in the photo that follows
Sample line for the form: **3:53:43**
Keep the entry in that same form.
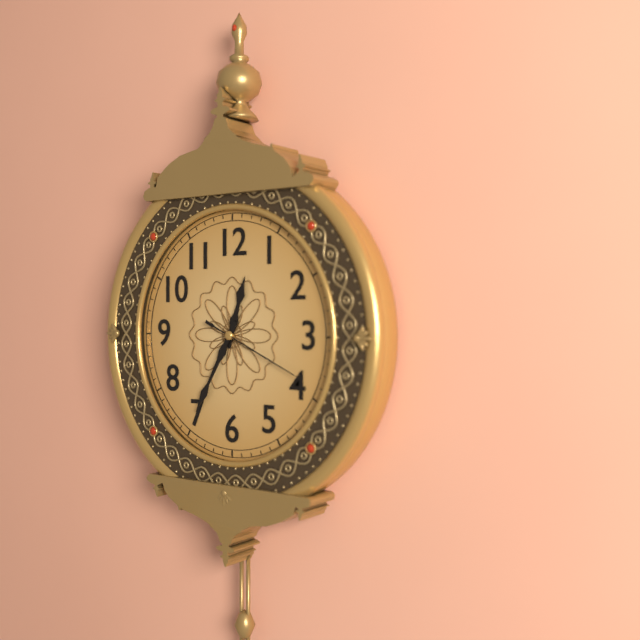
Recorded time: **12:35:19**
